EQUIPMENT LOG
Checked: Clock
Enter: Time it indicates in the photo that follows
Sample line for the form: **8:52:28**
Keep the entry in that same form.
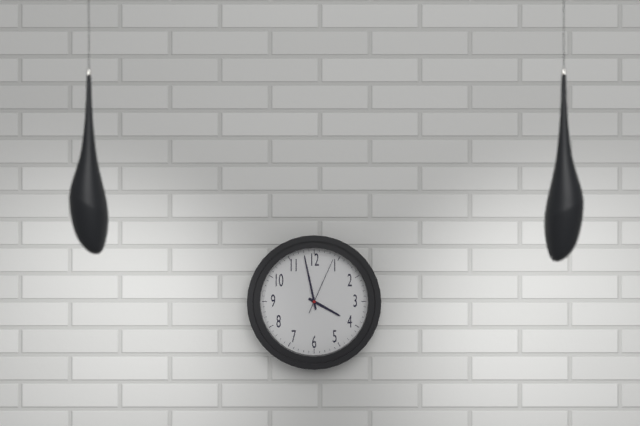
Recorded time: **3:58:04**
